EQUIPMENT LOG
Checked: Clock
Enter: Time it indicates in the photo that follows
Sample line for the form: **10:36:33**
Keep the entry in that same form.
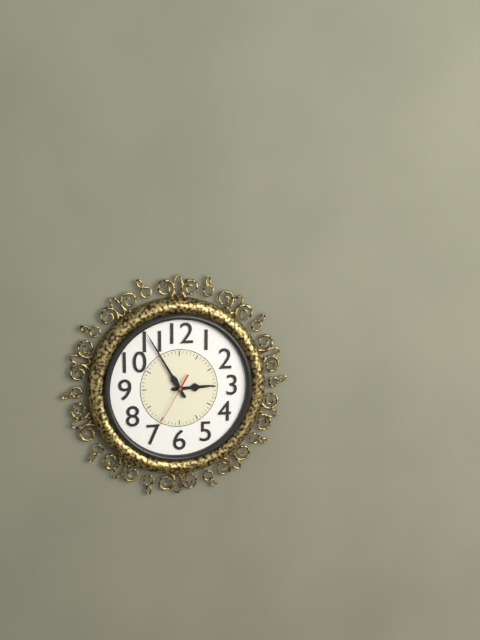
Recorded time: **2:55:35**
